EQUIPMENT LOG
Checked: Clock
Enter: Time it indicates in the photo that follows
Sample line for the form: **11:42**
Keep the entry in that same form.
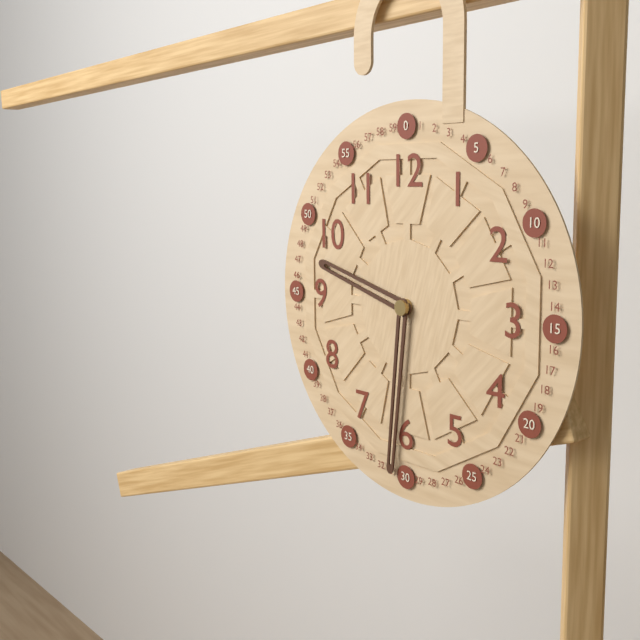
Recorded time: **9:31**
